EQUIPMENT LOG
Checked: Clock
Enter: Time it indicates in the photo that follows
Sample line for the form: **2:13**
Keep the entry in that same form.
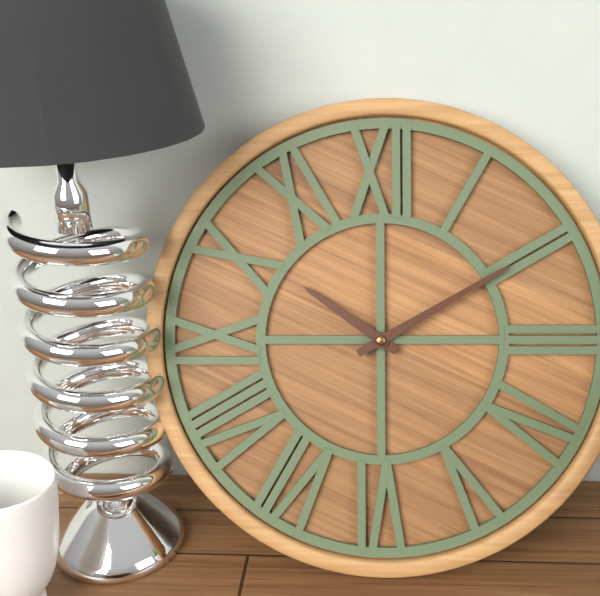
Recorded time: **10:10**
